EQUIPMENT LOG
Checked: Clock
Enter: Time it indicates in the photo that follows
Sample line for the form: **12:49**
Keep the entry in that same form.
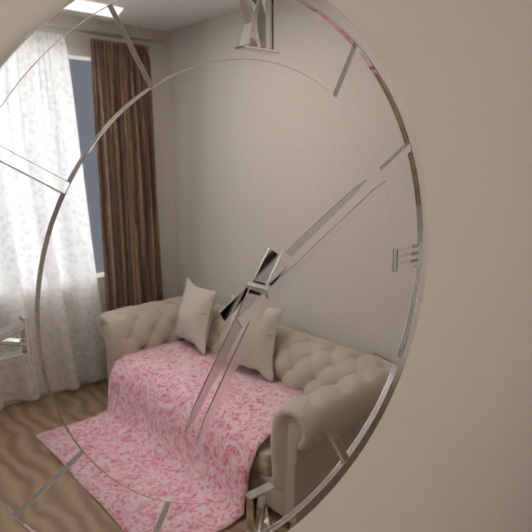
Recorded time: **7:10**
